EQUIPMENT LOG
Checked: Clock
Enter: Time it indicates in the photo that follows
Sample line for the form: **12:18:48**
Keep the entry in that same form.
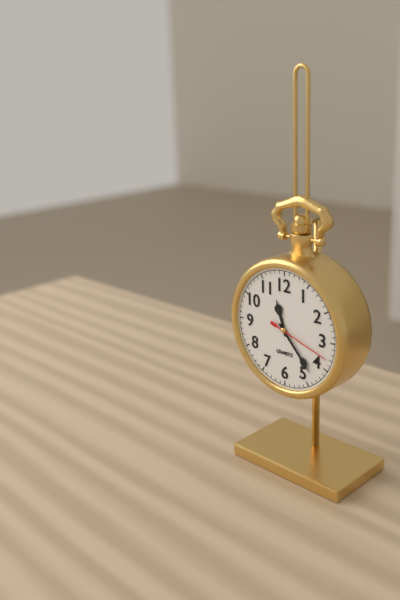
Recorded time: **11:23:18**
